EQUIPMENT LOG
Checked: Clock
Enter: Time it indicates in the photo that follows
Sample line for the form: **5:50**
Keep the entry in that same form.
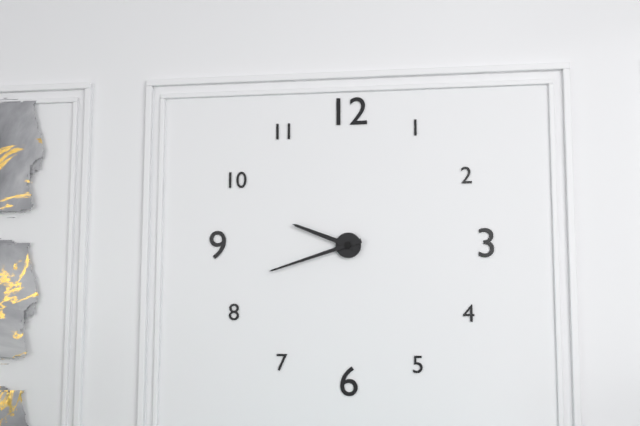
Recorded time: **9:42**
